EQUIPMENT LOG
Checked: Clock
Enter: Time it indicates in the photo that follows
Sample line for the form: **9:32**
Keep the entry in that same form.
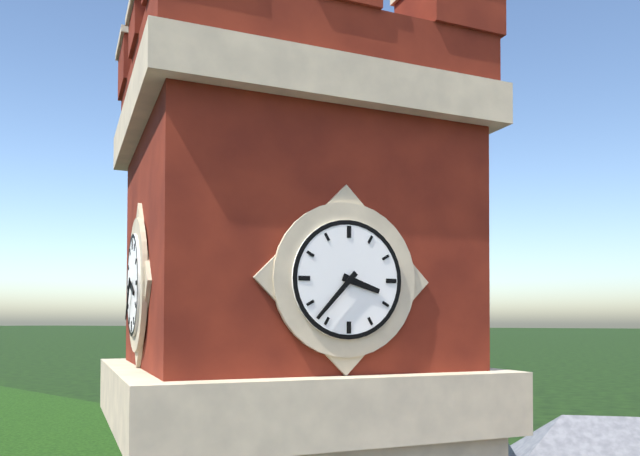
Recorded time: **3:37**
